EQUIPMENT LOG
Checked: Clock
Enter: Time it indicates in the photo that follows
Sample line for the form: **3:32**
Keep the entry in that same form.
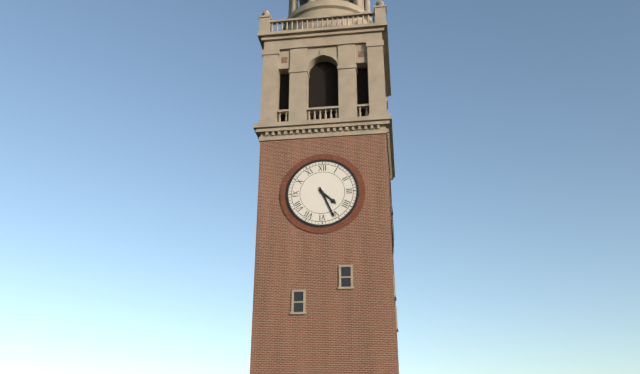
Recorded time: **4:26**
